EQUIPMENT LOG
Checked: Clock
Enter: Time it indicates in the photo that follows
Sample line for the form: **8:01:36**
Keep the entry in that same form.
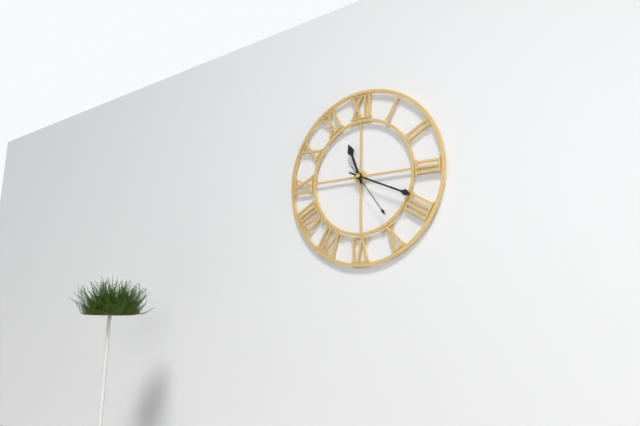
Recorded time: **11:19:24**
